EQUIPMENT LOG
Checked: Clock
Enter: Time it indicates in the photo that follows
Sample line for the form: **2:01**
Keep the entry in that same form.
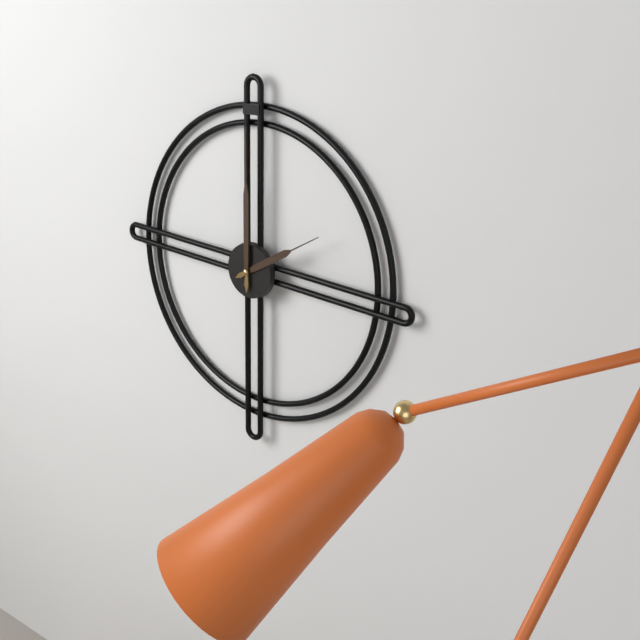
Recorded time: **2:00**
